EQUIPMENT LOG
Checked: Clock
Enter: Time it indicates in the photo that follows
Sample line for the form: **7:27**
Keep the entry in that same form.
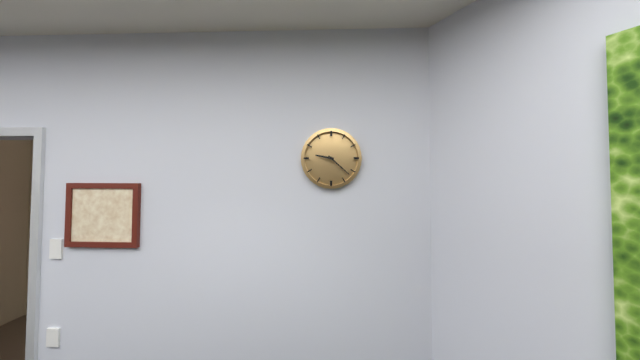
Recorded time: **9:22**
